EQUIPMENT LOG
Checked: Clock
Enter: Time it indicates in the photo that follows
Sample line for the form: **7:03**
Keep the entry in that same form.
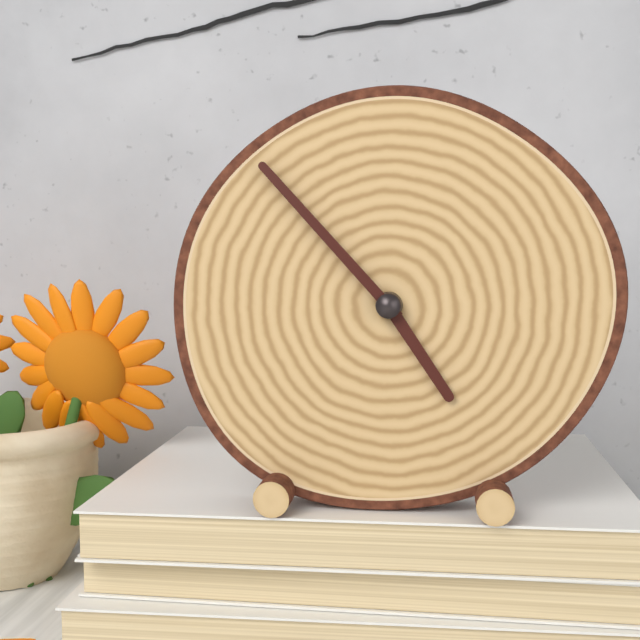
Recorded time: **4:53**
